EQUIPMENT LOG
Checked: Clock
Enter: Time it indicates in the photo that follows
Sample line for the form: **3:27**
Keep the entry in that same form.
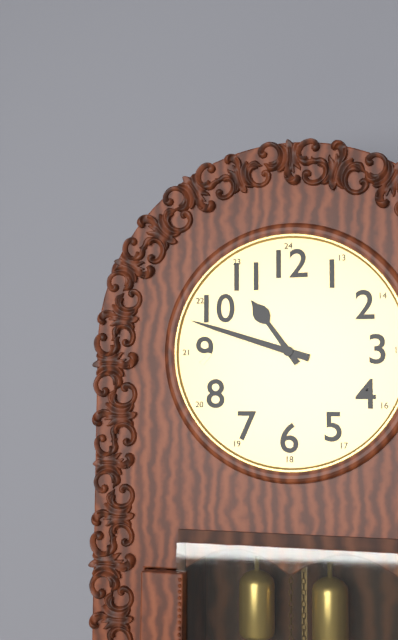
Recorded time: **10:48**
